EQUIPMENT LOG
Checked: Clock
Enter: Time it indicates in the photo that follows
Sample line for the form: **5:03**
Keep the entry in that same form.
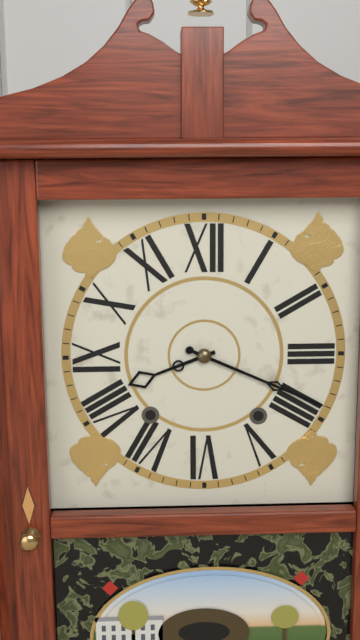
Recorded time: **8:19**
